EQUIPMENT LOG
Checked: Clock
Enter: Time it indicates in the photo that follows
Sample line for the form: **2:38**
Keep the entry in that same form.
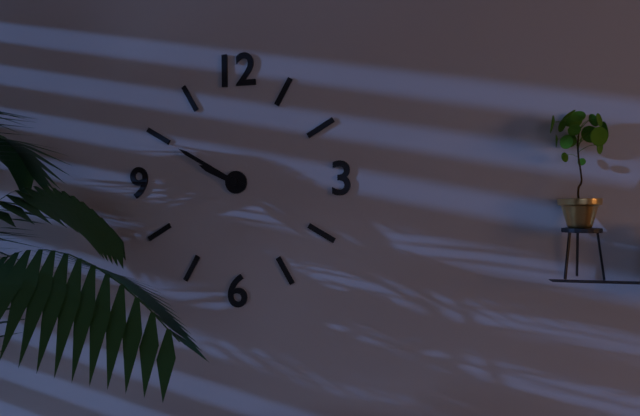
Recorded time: **9:50**
